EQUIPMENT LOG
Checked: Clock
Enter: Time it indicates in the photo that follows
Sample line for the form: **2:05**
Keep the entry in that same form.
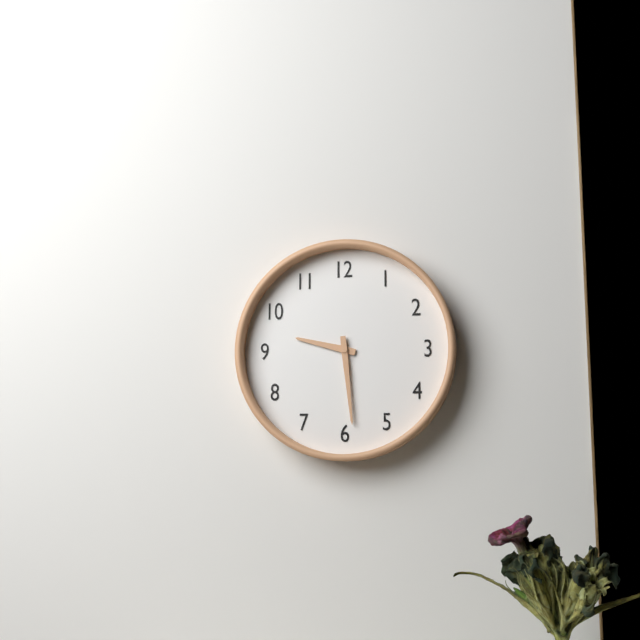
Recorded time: **9:29**
